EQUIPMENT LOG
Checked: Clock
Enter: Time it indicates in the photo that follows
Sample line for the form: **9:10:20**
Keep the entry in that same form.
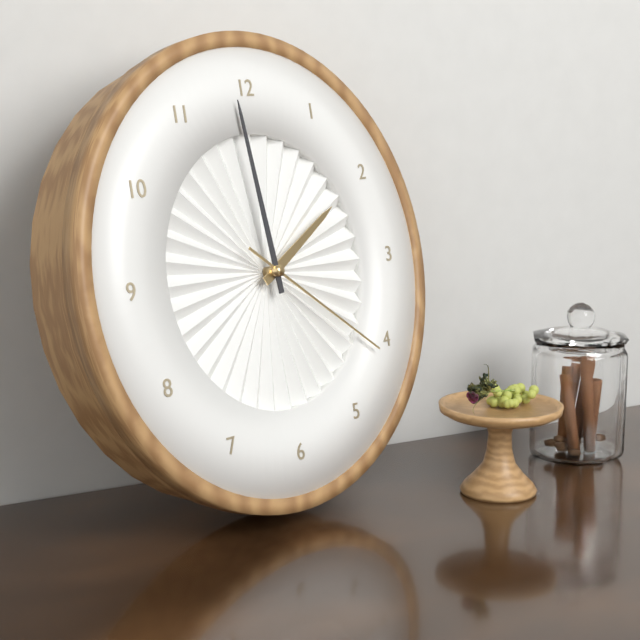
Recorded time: **1:59:21**
